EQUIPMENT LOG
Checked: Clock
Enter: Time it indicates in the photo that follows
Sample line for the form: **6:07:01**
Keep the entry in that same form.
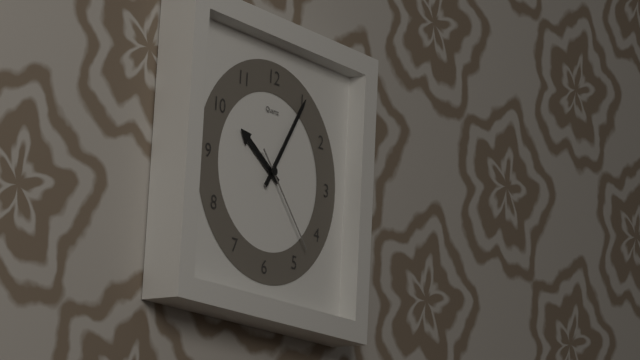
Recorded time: **10:05:23**
